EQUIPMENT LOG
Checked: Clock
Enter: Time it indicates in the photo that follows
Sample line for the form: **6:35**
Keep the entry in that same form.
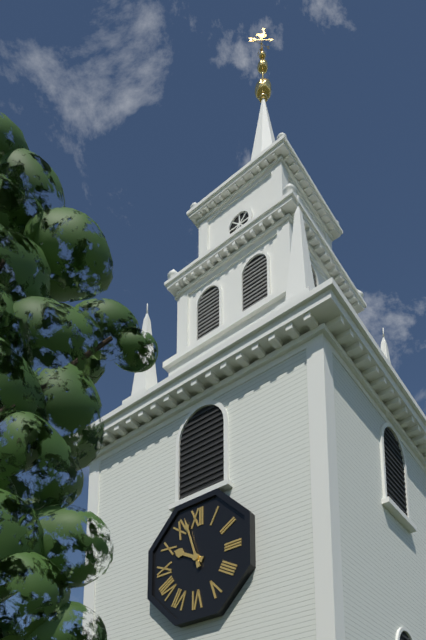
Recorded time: **9:57**
